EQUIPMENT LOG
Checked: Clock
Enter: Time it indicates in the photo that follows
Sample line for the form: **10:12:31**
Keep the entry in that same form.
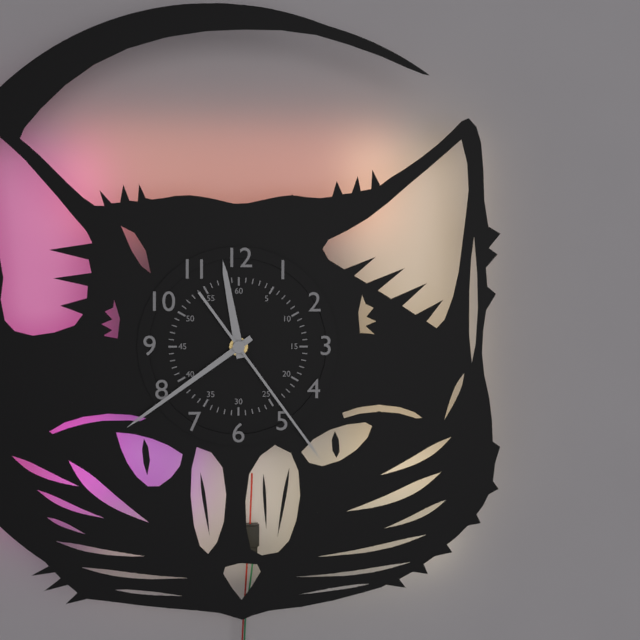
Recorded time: **11:39:24**
